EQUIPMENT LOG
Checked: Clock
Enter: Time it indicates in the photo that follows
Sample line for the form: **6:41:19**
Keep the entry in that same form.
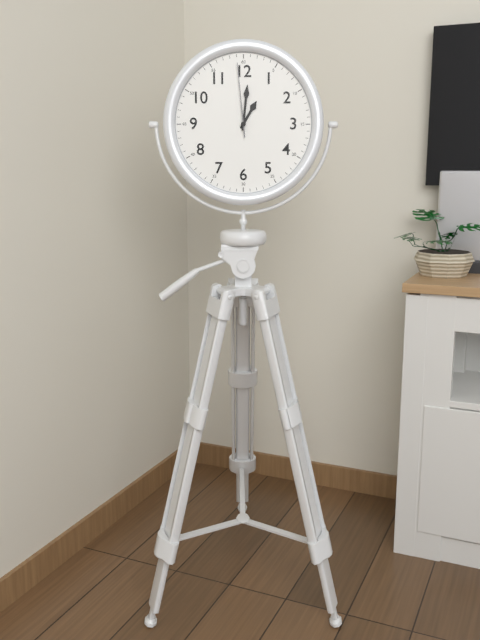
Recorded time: **1:01:59**
